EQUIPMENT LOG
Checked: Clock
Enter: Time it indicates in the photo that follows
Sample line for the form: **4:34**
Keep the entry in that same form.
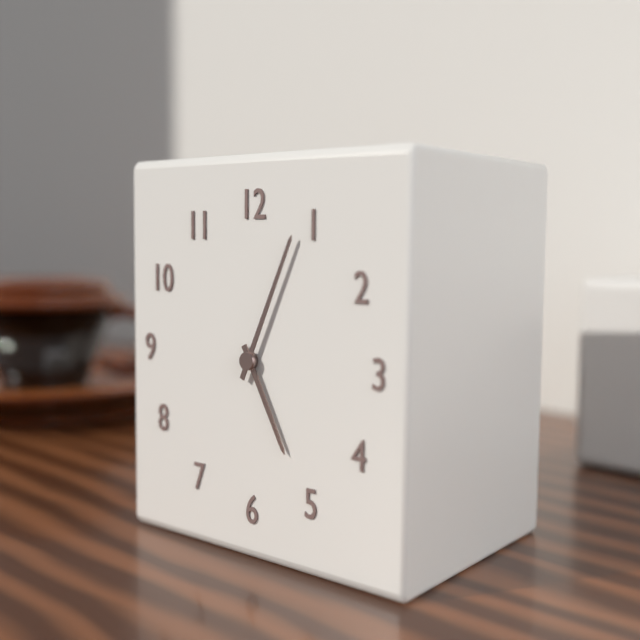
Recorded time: **5:04**
